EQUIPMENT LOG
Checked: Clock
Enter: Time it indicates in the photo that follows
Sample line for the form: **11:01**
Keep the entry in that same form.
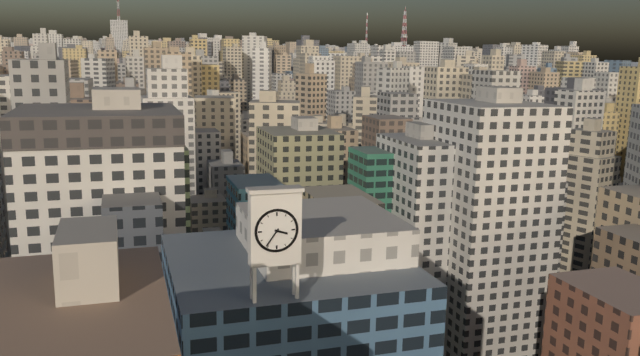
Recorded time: **3:36**
